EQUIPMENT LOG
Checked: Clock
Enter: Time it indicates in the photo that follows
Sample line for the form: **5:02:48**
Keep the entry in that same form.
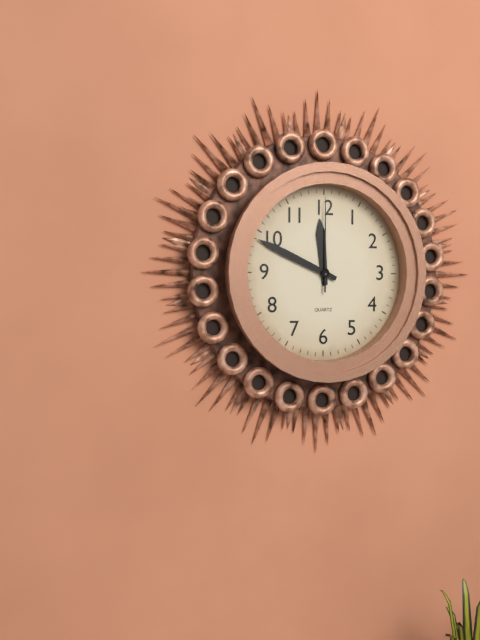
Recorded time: **11:49:00**
